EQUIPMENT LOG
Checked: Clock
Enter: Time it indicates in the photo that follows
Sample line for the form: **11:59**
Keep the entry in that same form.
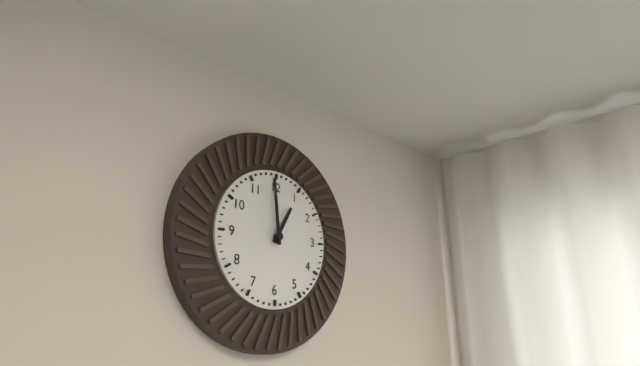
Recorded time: **12:59**
